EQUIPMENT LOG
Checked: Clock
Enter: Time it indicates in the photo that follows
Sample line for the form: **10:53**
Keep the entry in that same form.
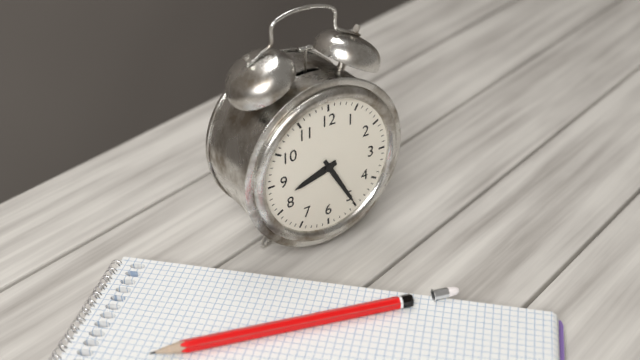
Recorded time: **8:25**
